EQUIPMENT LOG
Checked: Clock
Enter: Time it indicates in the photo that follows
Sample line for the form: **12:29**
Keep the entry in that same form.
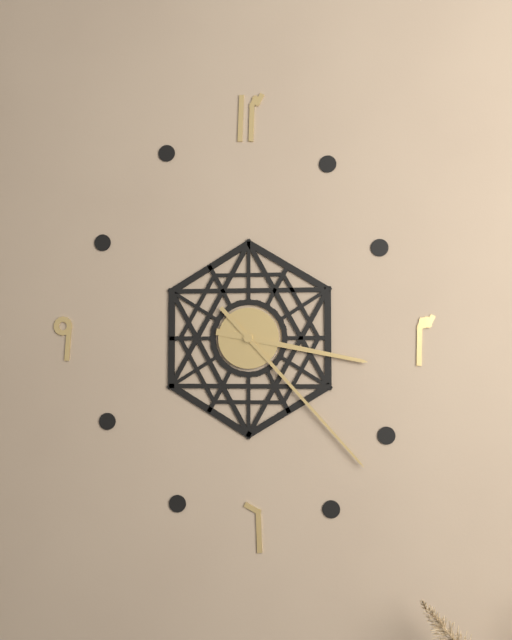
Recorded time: **3:23**
